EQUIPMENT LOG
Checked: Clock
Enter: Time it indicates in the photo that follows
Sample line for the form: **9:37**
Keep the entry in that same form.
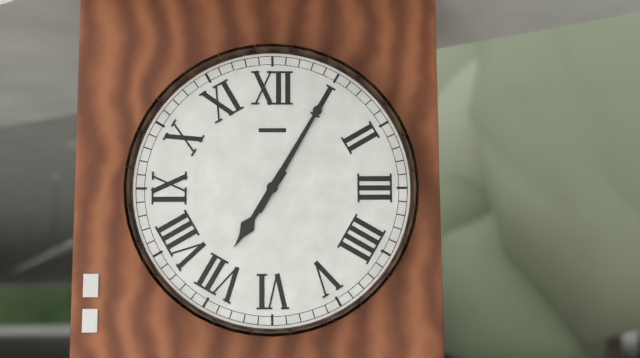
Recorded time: **7:05**
